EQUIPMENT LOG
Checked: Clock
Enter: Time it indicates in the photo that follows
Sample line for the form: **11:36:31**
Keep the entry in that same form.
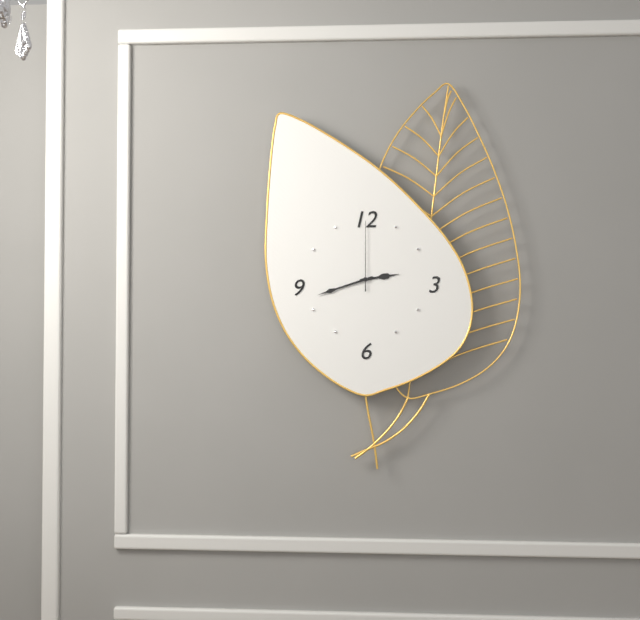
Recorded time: **2:42:00**
